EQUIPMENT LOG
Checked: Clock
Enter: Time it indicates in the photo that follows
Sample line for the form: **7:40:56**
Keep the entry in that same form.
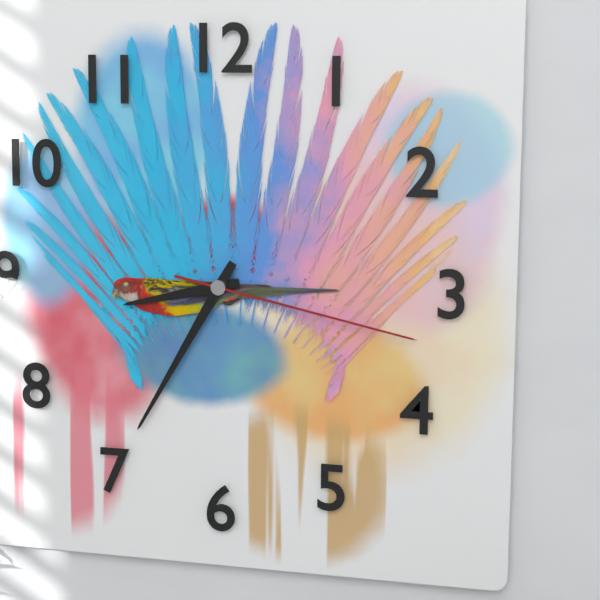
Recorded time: **8:35:17**
